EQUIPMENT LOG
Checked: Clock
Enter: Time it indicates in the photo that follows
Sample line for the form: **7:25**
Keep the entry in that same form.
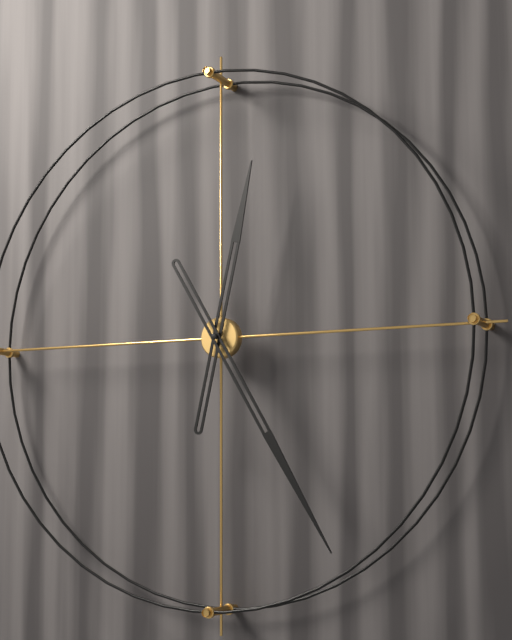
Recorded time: **12:25**
